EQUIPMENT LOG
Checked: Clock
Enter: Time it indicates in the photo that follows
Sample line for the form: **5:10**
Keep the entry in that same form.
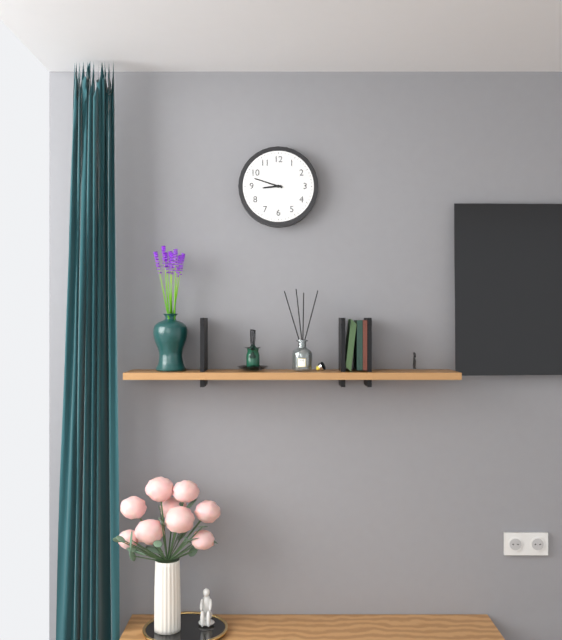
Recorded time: **8:48**
